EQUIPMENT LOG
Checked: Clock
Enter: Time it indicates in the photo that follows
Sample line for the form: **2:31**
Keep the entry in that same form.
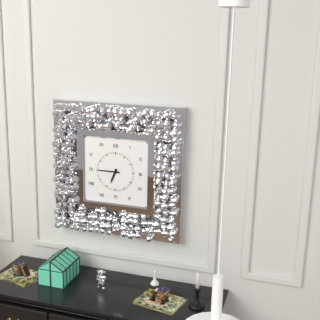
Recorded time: **6:45**
